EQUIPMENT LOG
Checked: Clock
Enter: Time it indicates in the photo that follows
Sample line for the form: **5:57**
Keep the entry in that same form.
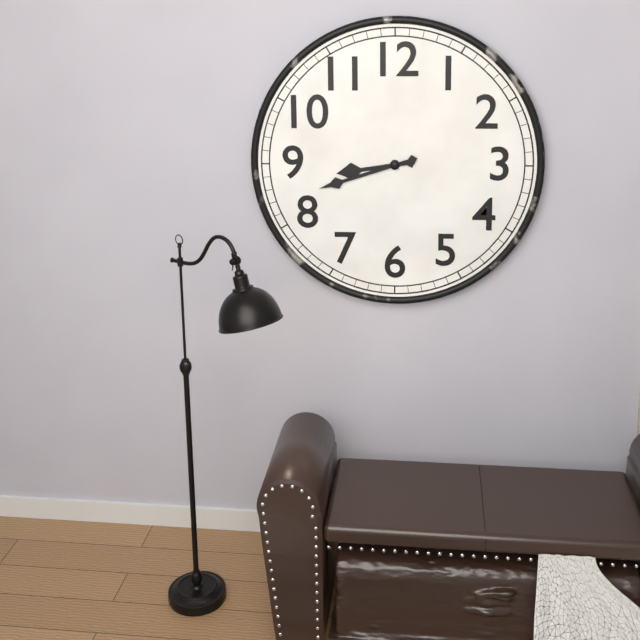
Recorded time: **8:42**
